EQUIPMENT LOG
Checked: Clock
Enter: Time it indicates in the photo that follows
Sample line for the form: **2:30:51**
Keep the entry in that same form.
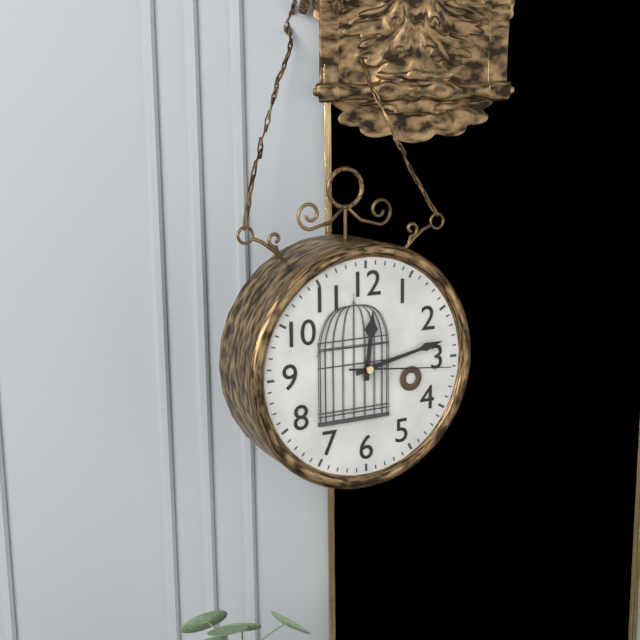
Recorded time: **12:13:16**
